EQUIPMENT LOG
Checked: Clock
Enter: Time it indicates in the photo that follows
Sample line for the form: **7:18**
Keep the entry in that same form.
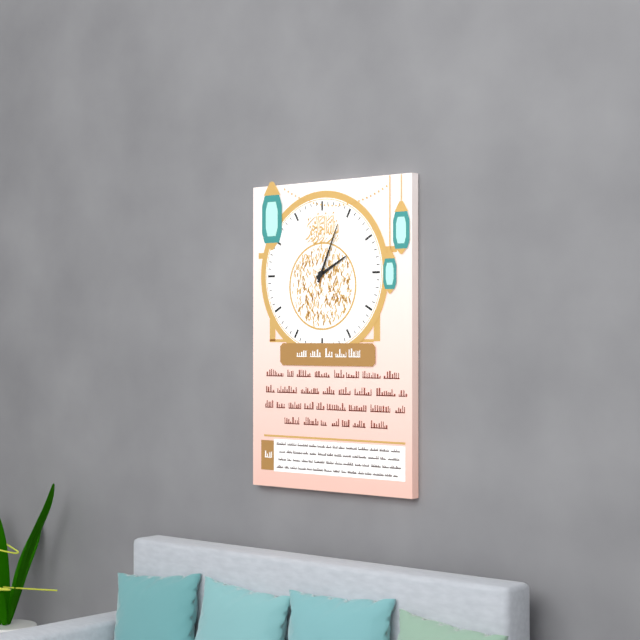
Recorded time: **2:04**
